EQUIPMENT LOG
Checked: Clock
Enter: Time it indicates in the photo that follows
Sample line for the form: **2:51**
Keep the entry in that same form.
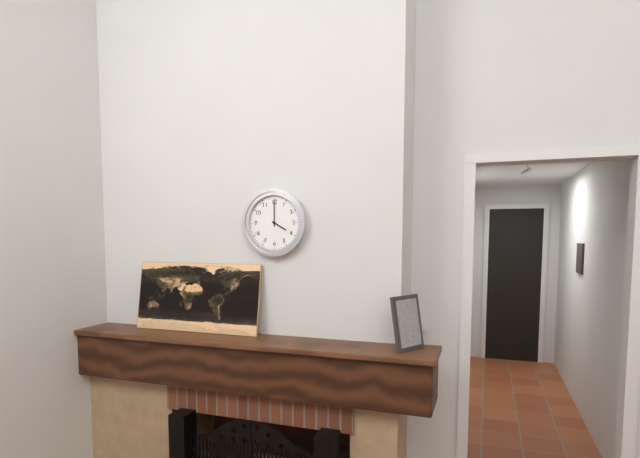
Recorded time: **4:00**
